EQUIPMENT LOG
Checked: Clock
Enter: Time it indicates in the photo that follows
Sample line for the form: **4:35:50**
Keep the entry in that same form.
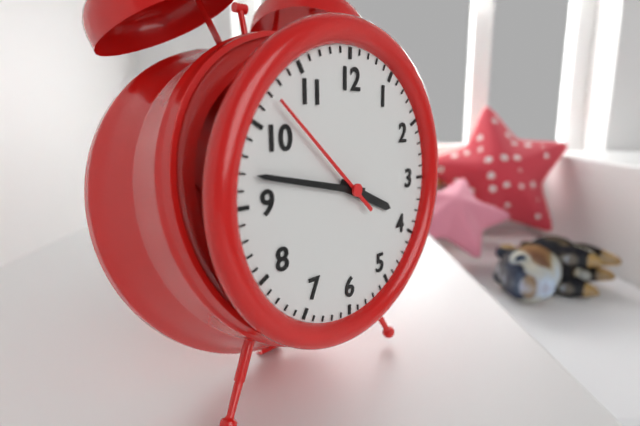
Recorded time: **3:47:52**
